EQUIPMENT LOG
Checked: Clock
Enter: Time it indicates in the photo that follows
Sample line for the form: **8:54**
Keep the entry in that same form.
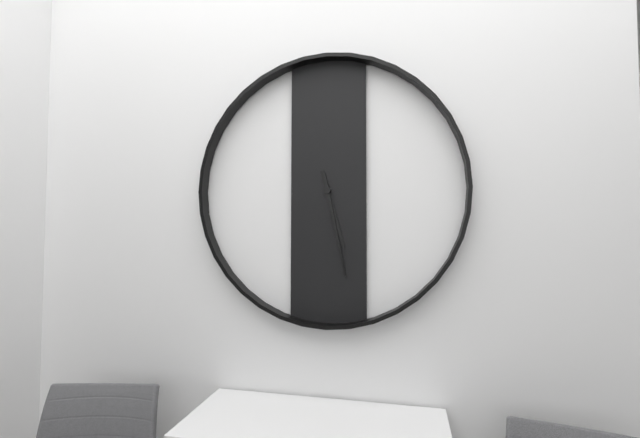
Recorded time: **5:28**
